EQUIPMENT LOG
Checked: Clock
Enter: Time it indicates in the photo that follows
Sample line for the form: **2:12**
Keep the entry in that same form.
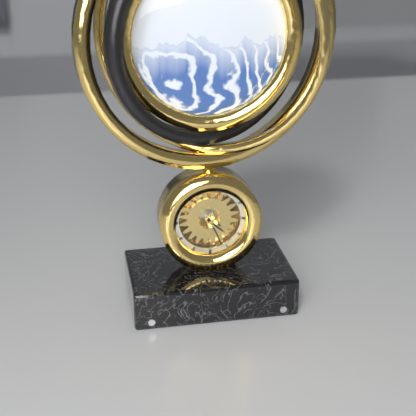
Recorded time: **4:26**
